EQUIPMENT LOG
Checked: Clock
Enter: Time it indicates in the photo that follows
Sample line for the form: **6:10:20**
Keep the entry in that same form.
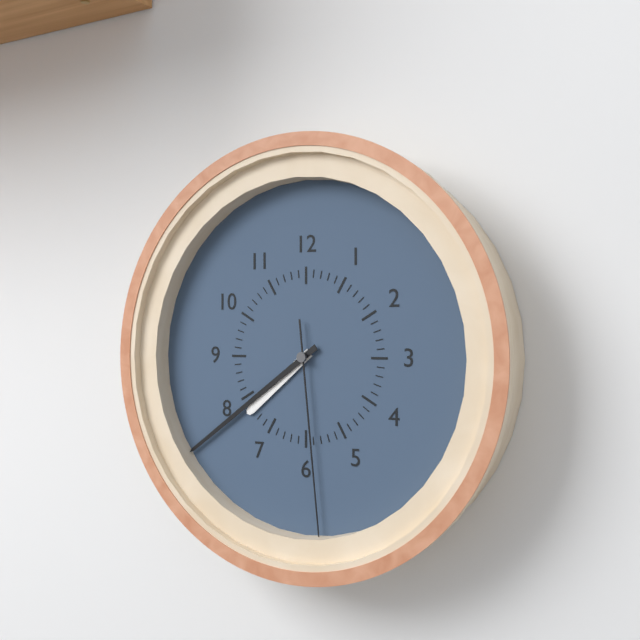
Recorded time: **7:39:29**
